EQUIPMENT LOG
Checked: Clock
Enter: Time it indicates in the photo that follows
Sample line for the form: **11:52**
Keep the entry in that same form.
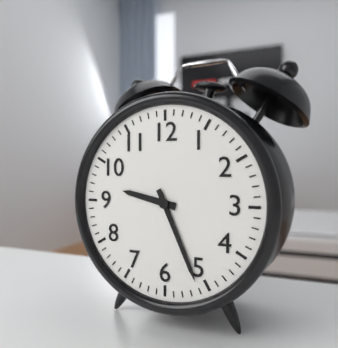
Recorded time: **9:26**
